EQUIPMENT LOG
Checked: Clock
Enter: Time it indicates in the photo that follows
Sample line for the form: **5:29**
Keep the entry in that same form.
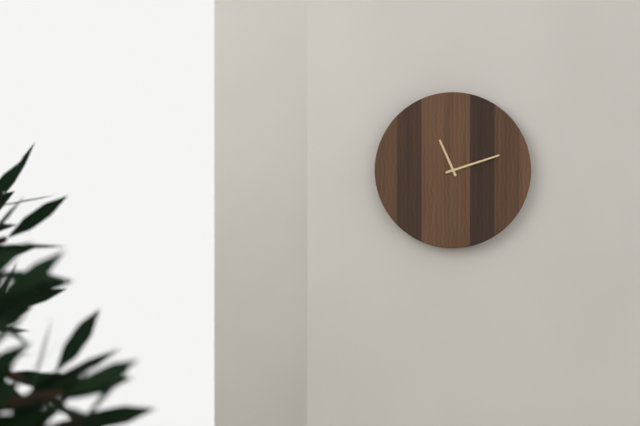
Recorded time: **11:12**
